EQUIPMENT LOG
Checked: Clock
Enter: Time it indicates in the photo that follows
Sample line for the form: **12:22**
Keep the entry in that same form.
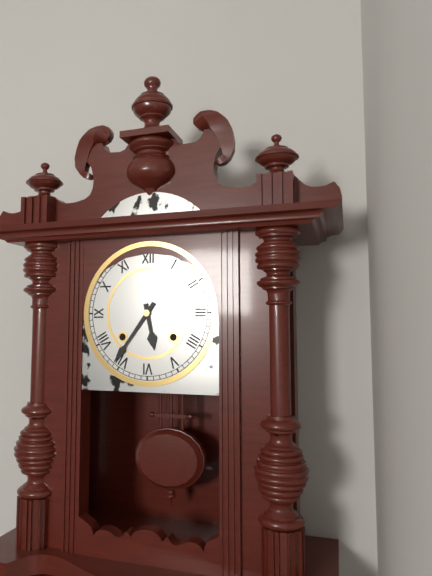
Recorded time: **5:36**
